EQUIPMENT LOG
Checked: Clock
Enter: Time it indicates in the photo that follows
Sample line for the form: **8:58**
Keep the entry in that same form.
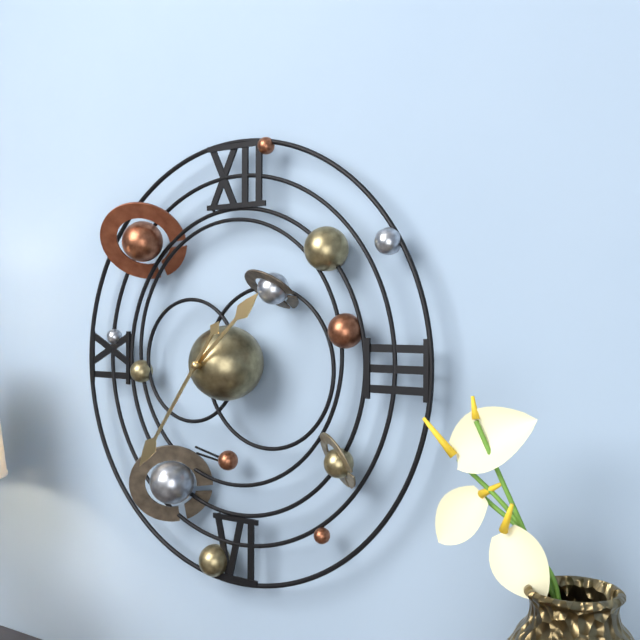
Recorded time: **1:36**
